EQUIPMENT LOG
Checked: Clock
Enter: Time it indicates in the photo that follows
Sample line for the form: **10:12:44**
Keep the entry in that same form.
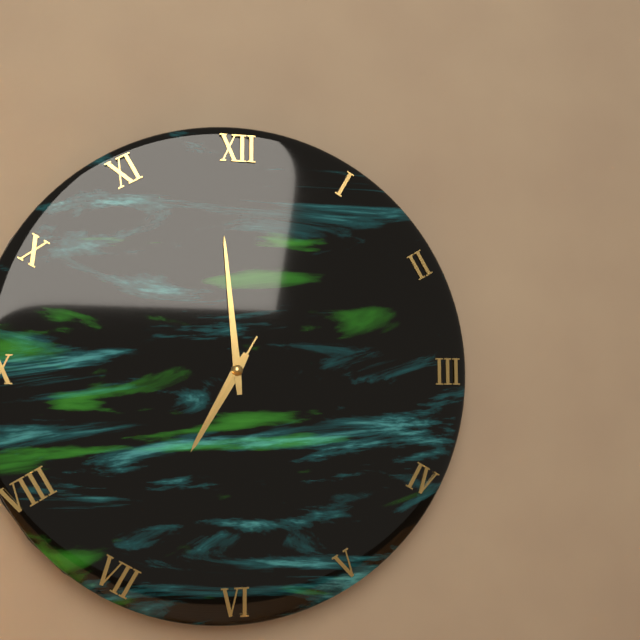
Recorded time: **6:59:35**
